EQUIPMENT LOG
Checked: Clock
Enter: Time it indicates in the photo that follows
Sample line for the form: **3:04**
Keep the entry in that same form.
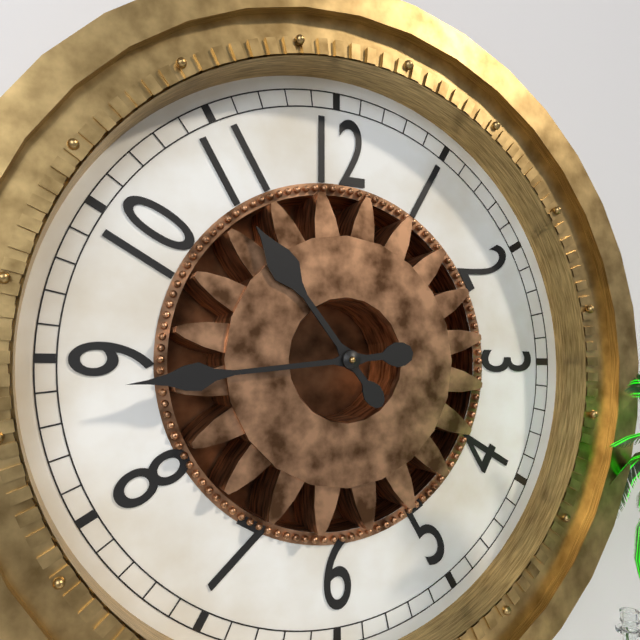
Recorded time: **10:44**
